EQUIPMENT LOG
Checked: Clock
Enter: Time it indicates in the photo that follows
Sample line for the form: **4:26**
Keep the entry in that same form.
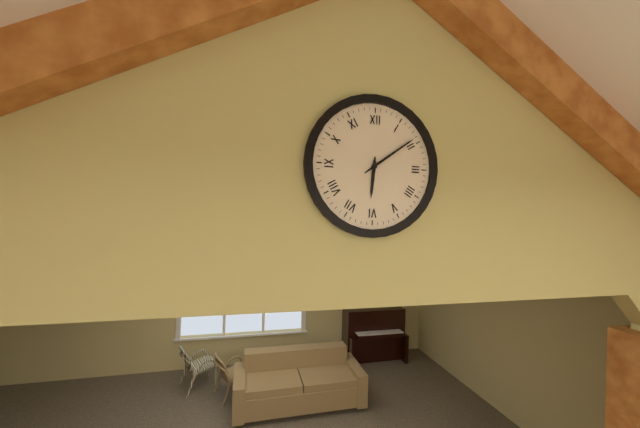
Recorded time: **6:09**
